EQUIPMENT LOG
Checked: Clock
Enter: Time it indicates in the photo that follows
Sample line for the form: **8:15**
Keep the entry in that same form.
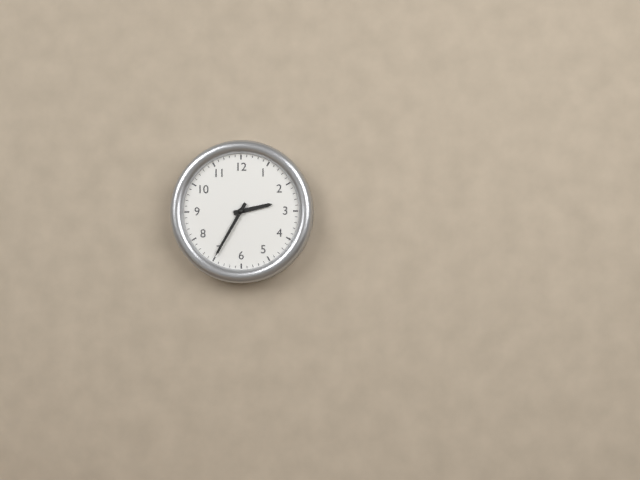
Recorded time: **2:35**
